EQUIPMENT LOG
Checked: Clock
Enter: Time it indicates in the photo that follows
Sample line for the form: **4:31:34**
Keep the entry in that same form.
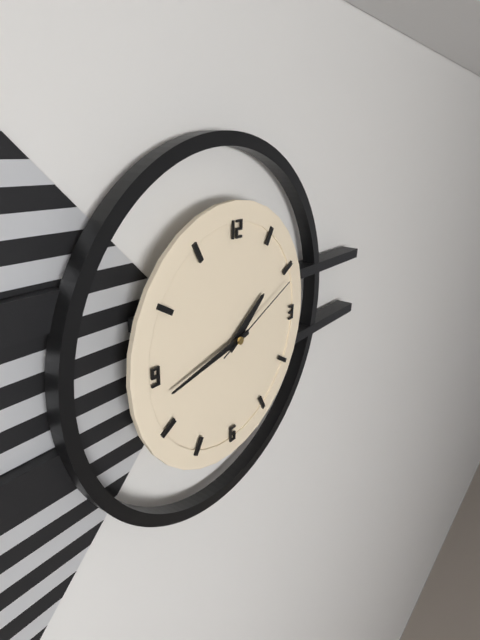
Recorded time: **1:43:11**
